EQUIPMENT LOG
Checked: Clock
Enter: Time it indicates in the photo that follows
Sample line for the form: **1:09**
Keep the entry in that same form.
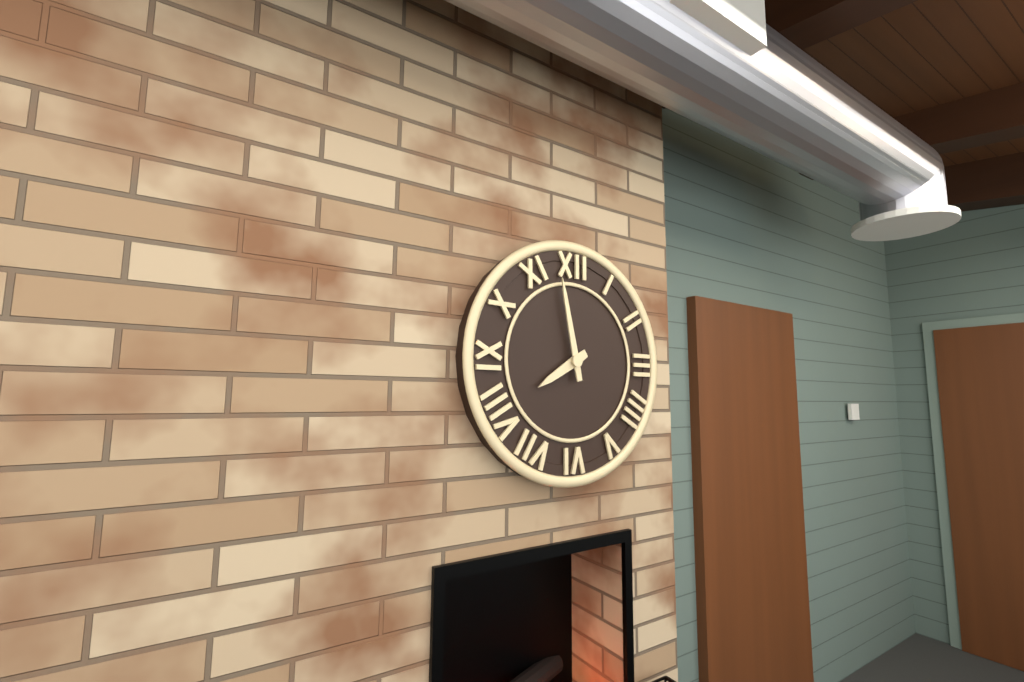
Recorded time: **7:58**
